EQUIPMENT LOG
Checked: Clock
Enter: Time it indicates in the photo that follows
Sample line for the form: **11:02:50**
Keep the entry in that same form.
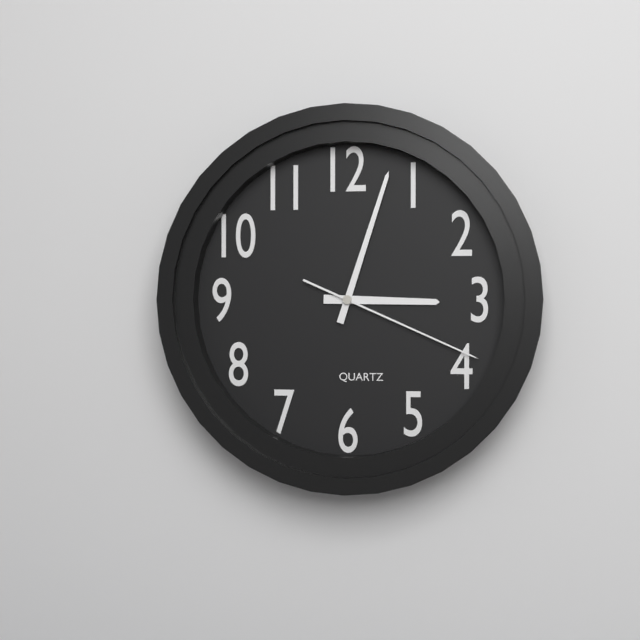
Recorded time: **3:03:19**
